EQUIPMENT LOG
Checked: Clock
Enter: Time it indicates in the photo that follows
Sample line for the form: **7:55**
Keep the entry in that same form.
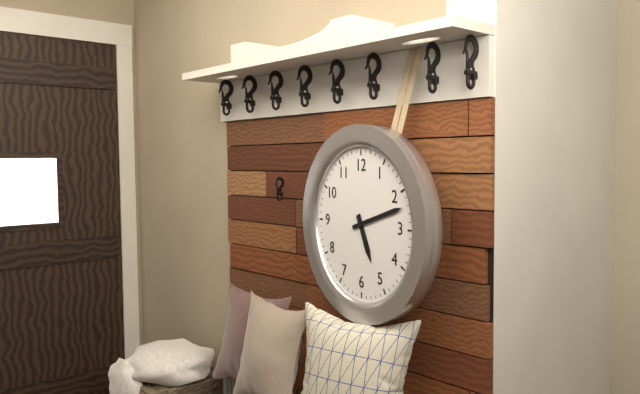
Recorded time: **5:12**
